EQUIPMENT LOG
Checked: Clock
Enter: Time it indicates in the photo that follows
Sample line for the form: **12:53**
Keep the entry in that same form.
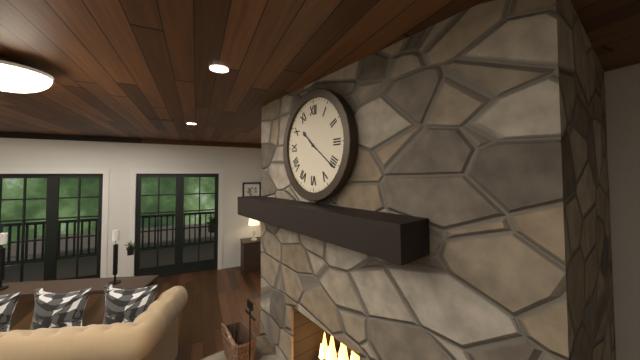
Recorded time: **10:21**
